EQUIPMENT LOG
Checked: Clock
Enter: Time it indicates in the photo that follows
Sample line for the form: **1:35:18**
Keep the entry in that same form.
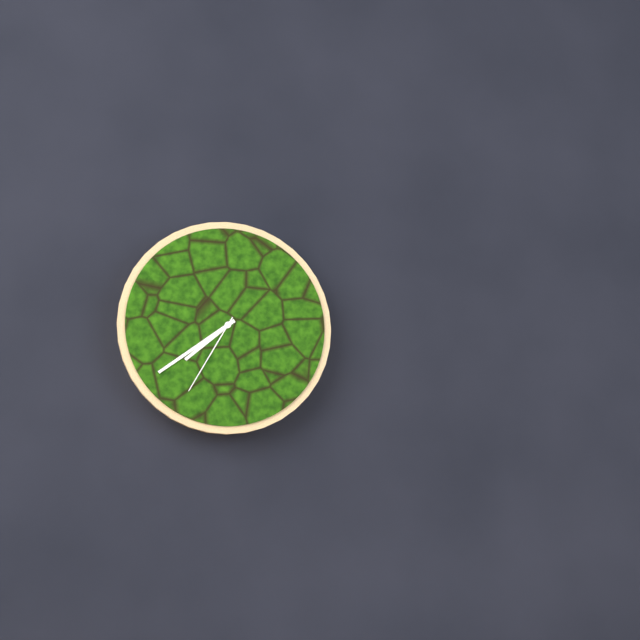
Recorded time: **7:39:35**
